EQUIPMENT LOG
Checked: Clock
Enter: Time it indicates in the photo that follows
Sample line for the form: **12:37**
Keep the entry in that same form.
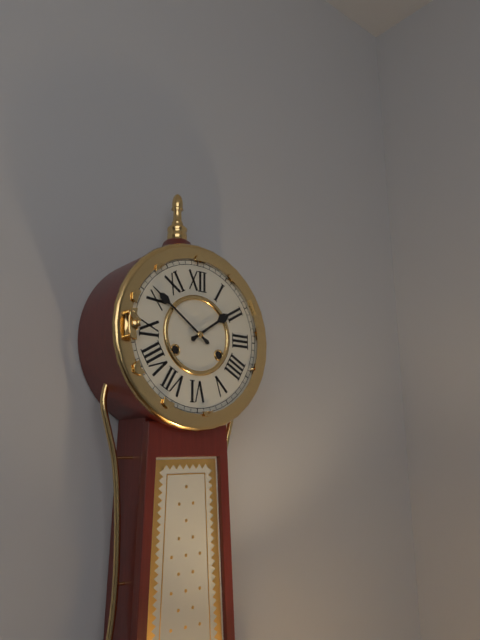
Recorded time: **1:51**
